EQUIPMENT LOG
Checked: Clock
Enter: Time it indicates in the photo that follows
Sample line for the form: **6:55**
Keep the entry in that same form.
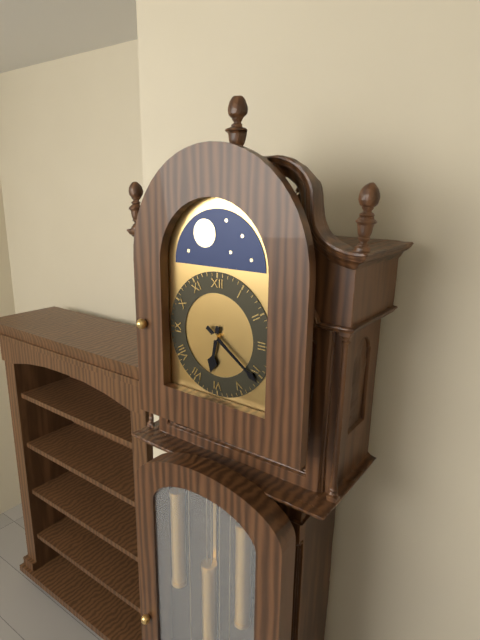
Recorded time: **6:21**
